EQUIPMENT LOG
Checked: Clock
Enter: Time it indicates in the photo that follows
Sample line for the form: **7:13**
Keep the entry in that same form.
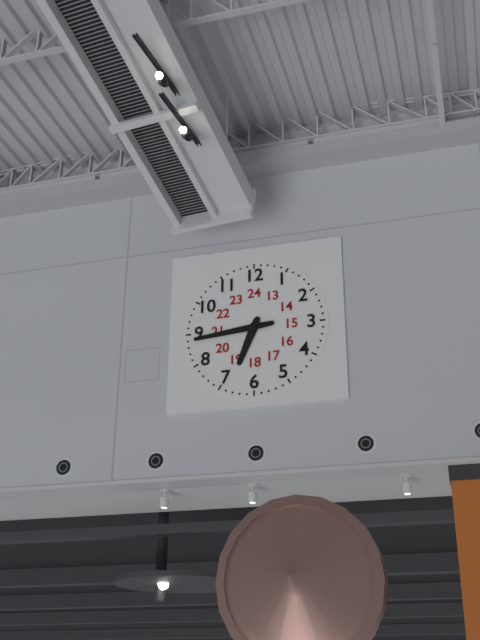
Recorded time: **6:44**
